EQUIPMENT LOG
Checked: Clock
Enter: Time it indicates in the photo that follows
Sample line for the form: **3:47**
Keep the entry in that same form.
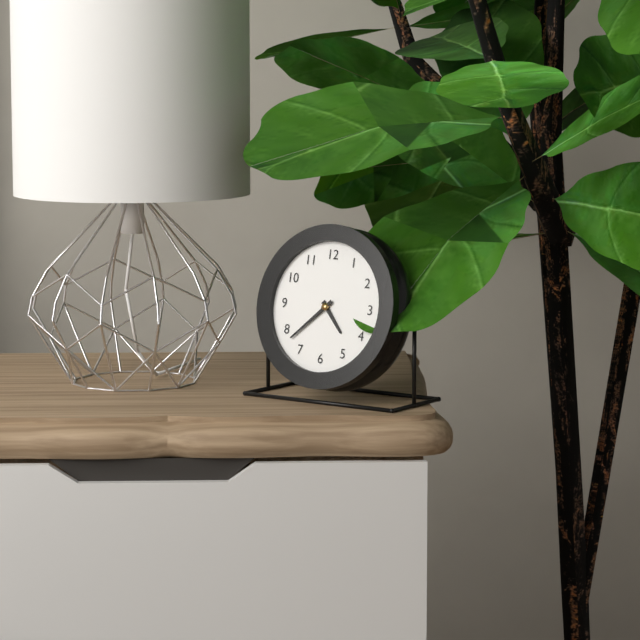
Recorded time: **4:38**
